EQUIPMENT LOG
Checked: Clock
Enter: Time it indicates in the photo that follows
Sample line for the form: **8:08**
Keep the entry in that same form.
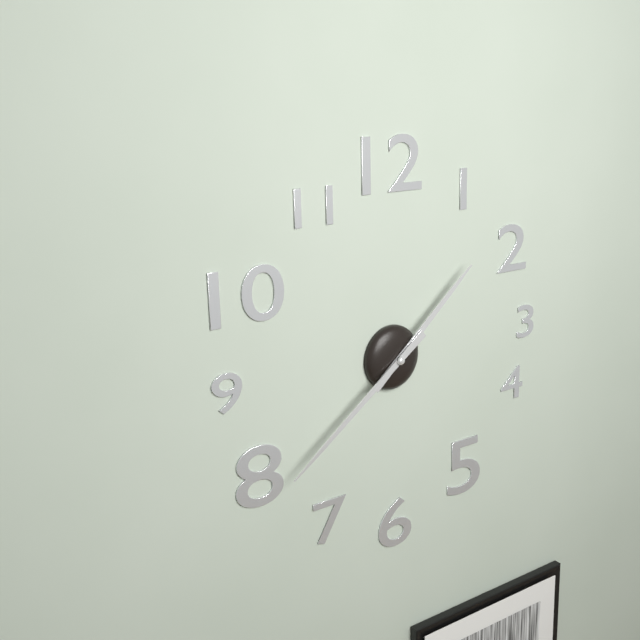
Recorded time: **1:39**
